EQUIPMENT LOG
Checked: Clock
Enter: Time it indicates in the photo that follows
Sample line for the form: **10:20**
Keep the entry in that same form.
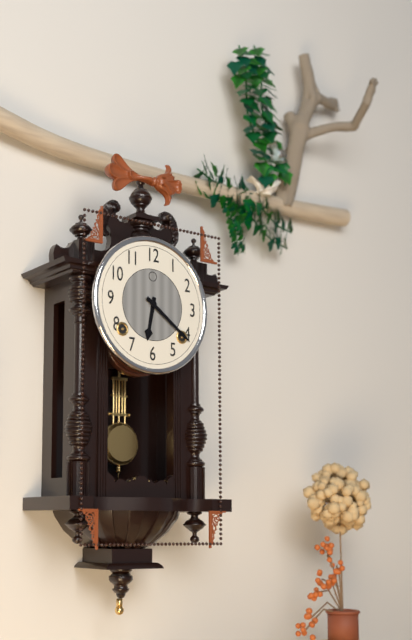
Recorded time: **6:21**
